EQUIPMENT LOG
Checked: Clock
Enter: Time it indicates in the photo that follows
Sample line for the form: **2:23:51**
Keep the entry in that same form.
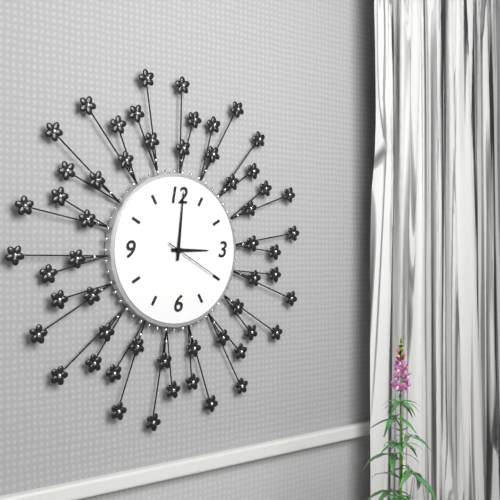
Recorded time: **3:01:20**
